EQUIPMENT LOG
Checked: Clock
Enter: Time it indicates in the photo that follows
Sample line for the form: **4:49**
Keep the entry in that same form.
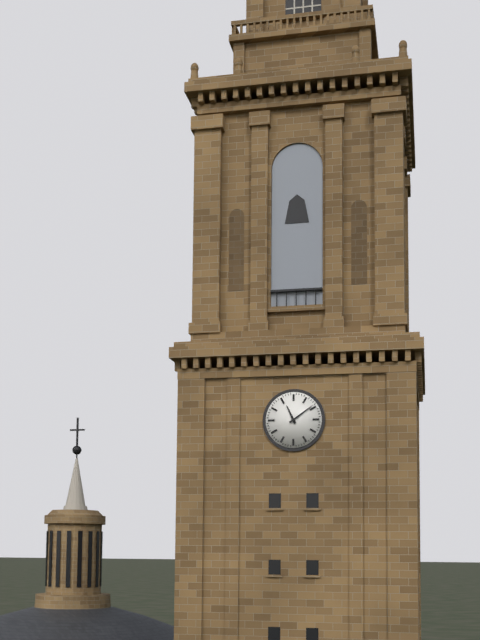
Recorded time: **11:09**
